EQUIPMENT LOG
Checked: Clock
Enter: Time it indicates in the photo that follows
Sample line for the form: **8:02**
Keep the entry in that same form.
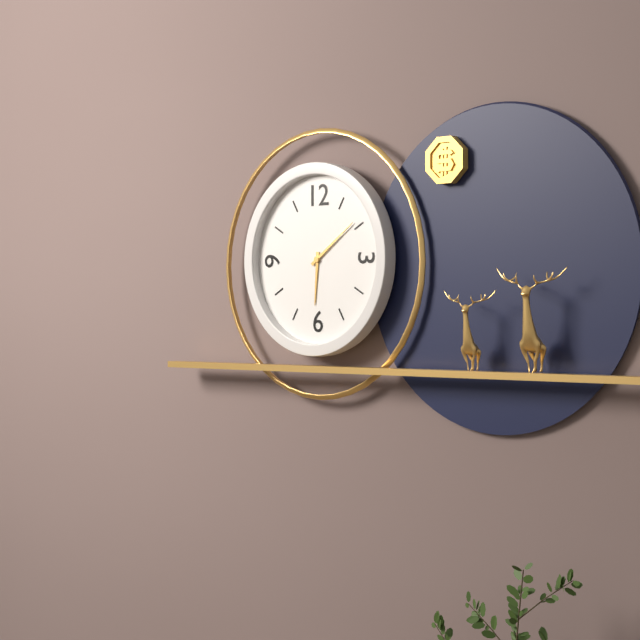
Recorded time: **6:09**
